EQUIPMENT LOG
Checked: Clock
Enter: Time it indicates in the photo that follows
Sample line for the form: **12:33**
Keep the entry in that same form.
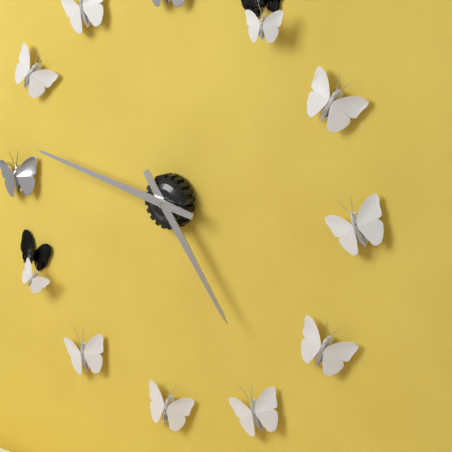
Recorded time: **4:47**
